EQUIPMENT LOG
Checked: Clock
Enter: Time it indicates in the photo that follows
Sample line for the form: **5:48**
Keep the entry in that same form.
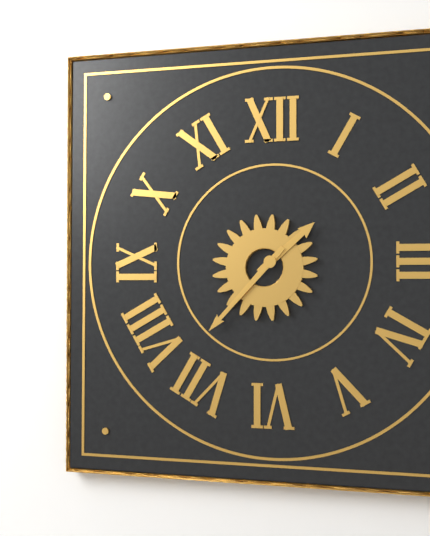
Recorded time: **1:37**
